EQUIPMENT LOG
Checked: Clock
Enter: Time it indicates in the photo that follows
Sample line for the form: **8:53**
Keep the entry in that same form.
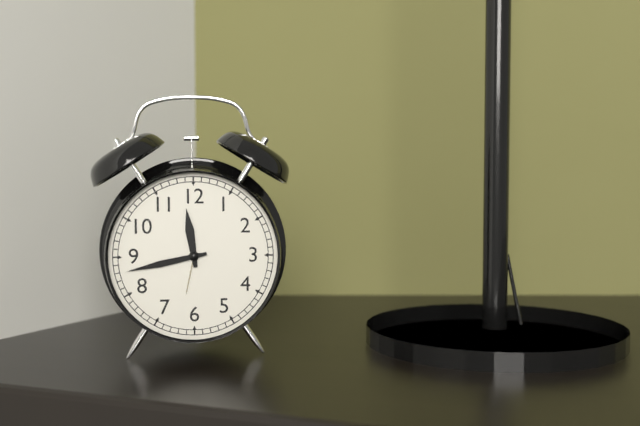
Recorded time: **11:43**
